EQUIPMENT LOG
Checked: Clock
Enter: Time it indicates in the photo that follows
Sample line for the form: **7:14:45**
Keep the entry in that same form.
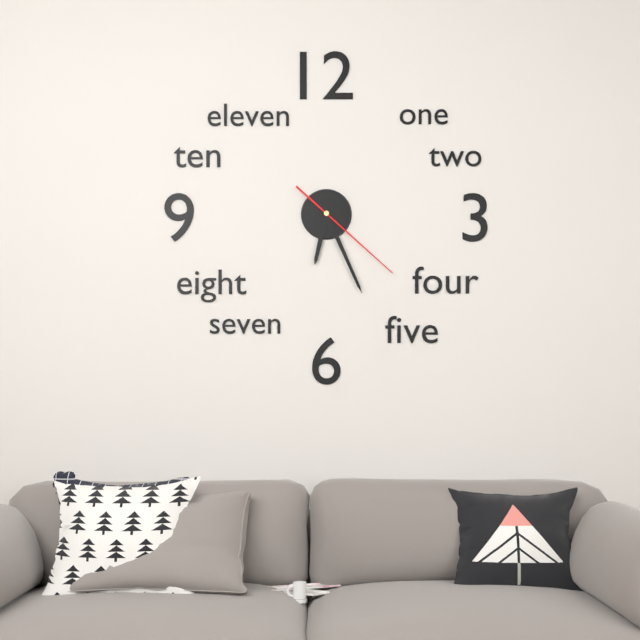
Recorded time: **6:26:22**
